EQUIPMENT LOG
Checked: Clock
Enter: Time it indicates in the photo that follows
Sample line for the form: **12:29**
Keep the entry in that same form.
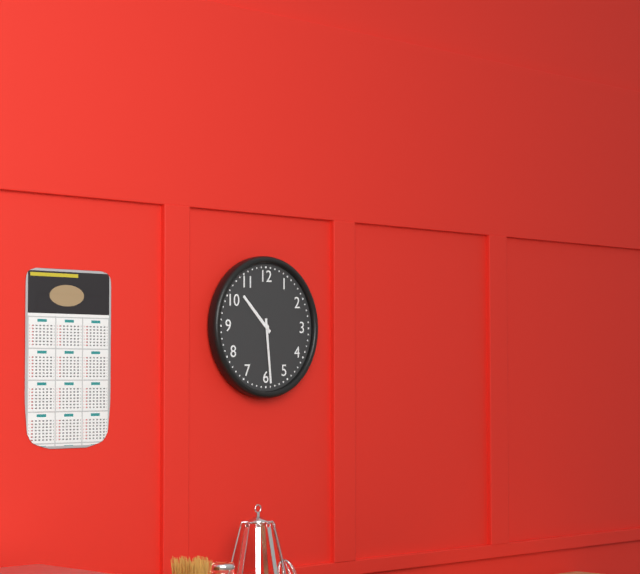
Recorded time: **10:29**
